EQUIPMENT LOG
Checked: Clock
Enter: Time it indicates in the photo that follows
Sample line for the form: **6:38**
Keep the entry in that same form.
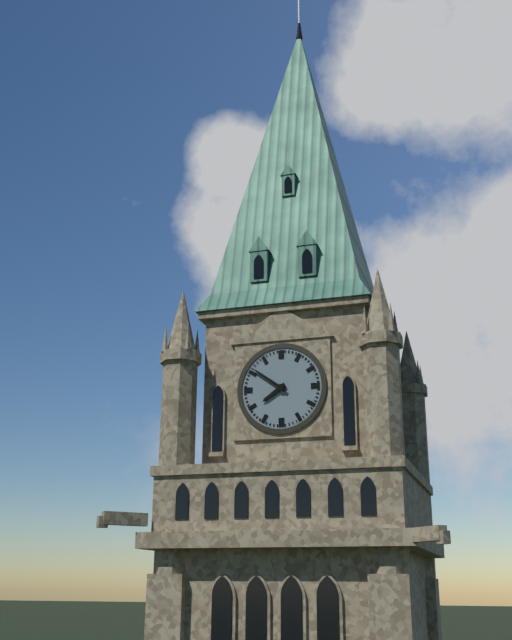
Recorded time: **7:51**
